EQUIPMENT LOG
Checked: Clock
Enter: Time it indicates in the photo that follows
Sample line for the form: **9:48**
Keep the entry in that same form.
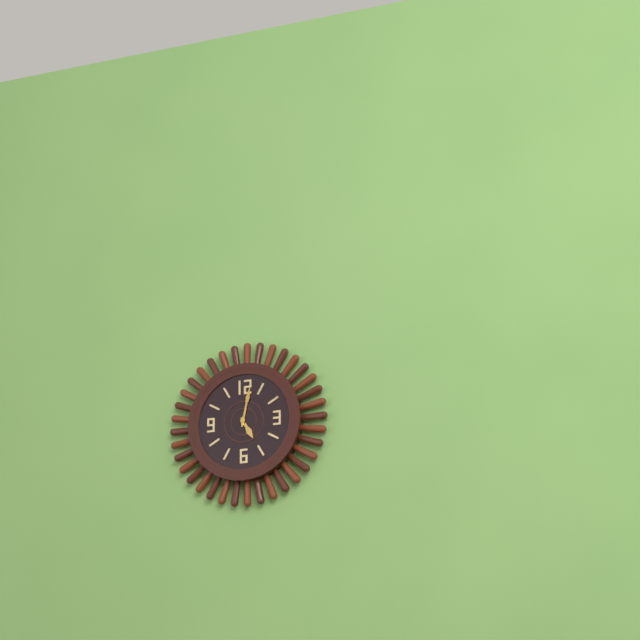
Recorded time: **5:02**
